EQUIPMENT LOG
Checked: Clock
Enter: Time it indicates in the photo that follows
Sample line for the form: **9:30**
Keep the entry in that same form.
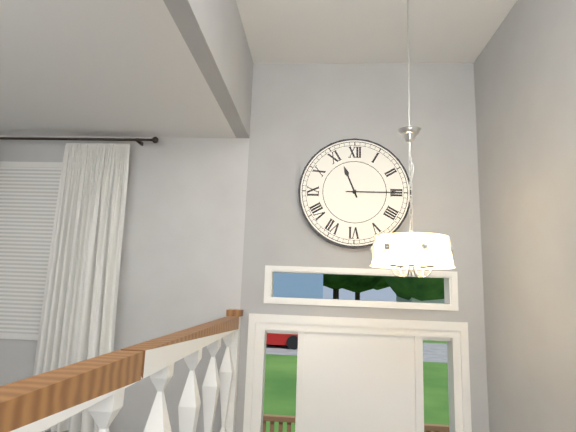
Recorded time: **11:15**
